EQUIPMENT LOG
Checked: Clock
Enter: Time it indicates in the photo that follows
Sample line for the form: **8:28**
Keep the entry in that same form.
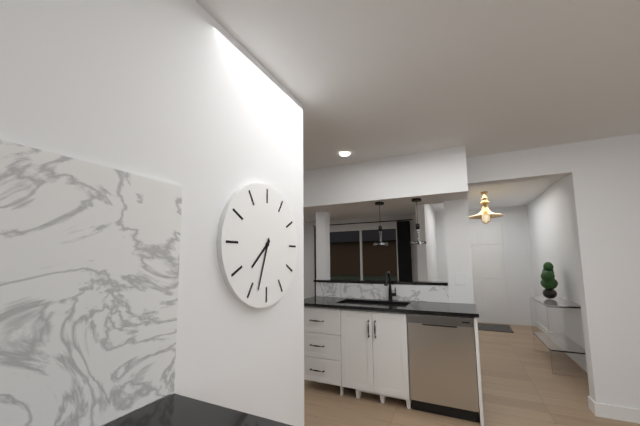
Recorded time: **7:33**
